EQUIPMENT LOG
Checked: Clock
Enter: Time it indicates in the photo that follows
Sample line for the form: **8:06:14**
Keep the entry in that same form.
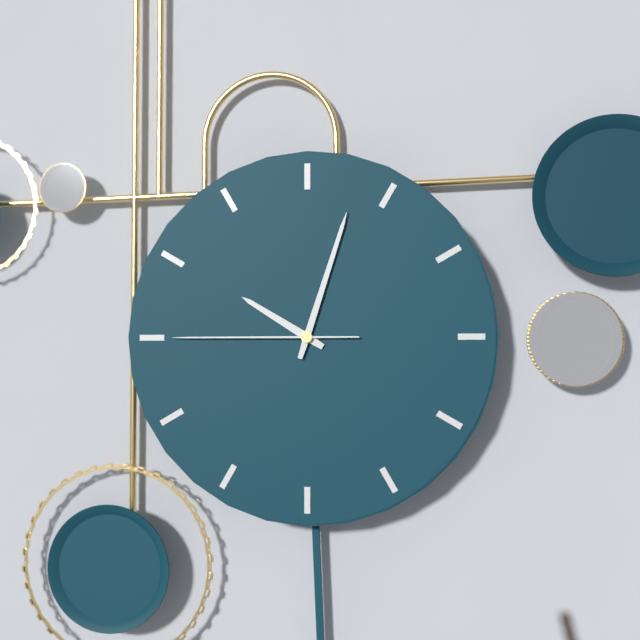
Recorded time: **10:03:45**
